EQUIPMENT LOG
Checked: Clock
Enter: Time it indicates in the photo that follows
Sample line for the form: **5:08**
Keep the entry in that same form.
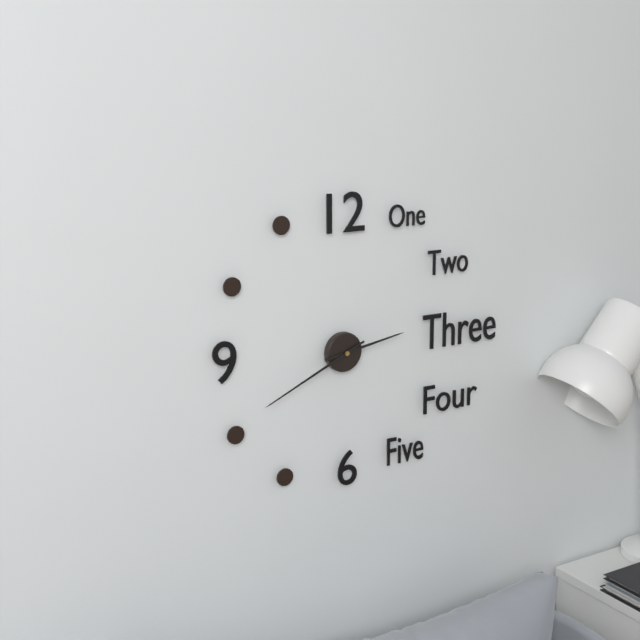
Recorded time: **2:41**
